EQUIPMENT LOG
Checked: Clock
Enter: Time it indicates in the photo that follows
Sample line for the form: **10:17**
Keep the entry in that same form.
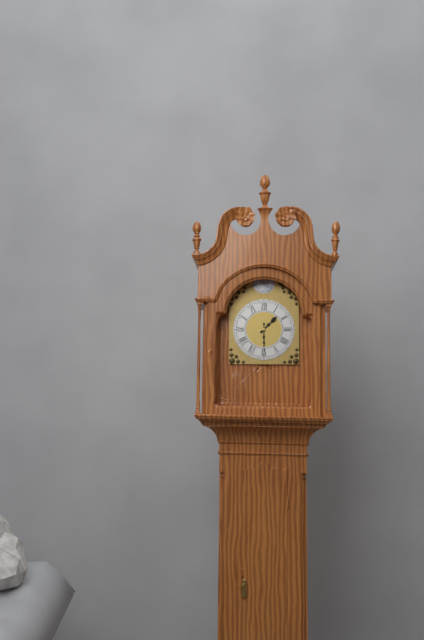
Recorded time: **1:30**
